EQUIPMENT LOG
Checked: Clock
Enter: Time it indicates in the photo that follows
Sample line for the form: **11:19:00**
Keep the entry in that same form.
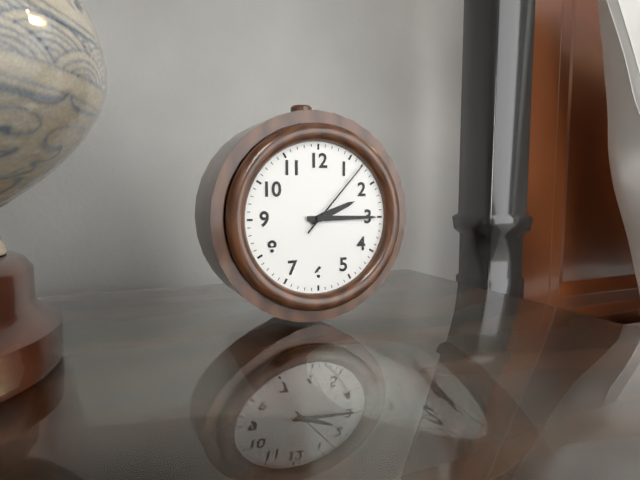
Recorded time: **2:15:07**
